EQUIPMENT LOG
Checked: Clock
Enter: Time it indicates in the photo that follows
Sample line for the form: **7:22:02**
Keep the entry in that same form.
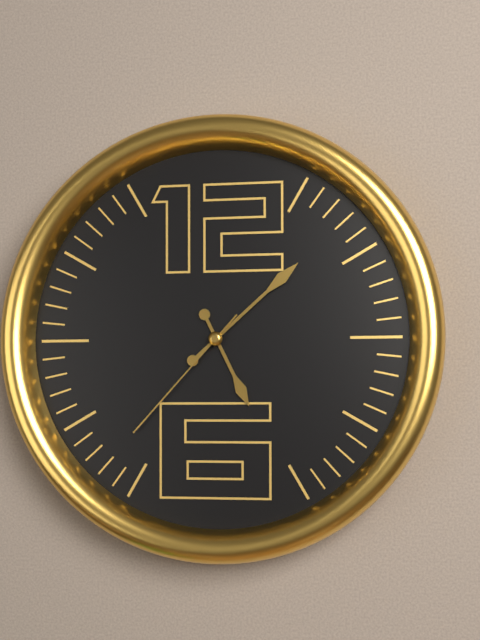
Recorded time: **5:08:37**
